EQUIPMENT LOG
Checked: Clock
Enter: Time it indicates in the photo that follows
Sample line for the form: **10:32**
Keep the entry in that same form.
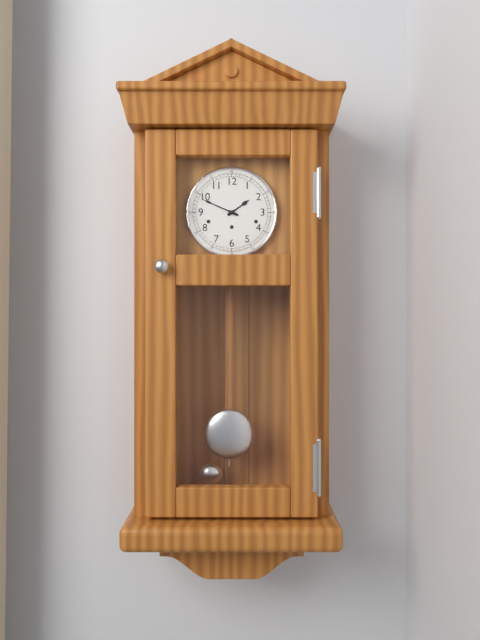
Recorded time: **1:49**
